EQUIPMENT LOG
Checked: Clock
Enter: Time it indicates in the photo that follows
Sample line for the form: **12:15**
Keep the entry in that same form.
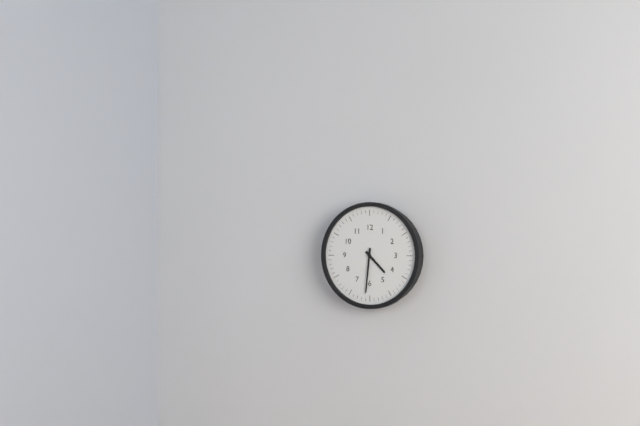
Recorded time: **4:31**
